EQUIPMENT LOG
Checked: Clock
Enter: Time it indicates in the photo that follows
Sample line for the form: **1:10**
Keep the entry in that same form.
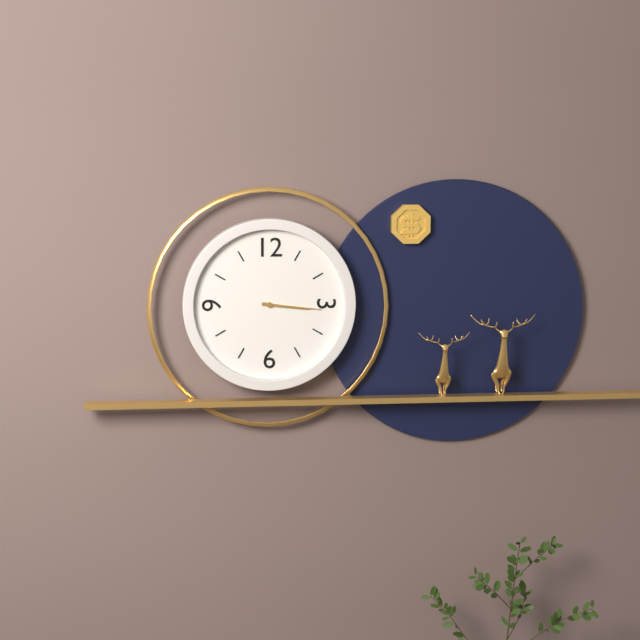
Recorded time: **3:16**
